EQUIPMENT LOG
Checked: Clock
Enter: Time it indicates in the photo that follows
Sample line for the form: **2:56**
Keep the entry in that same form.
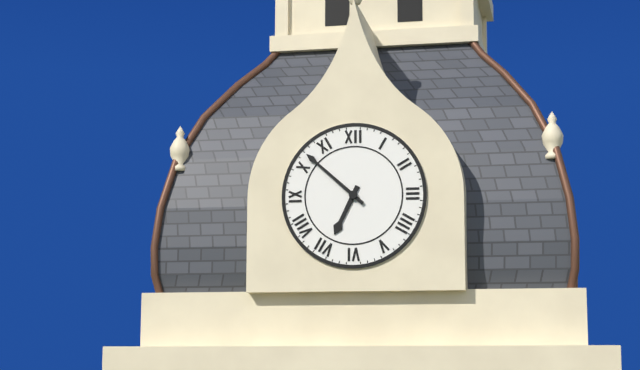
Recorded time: **6:52**
